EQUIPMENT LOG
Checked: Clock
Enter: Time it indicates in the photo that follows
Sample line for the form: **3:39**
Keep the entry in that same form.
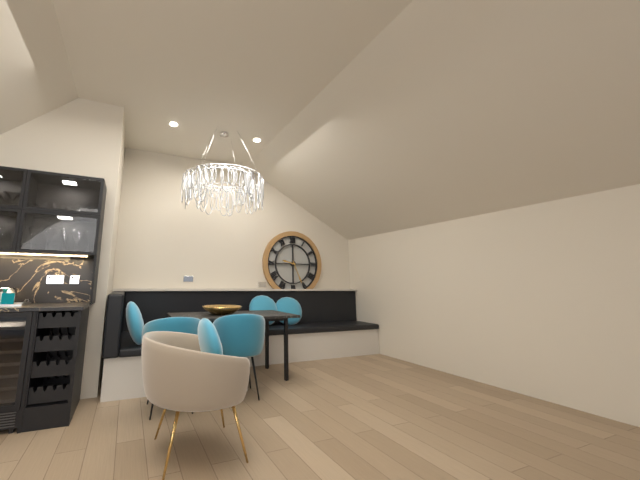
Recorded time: **9:26**
